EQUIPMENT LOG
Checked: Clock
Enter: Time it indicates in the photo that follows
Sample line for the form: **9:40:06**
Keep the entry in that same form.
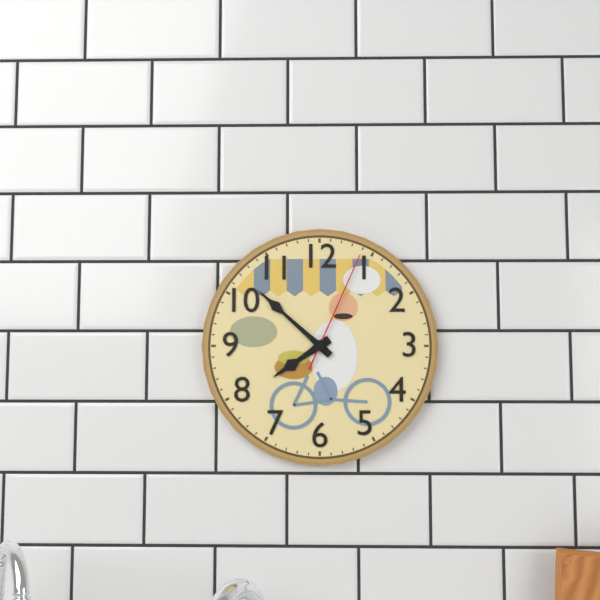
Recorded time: **7:52:04**
